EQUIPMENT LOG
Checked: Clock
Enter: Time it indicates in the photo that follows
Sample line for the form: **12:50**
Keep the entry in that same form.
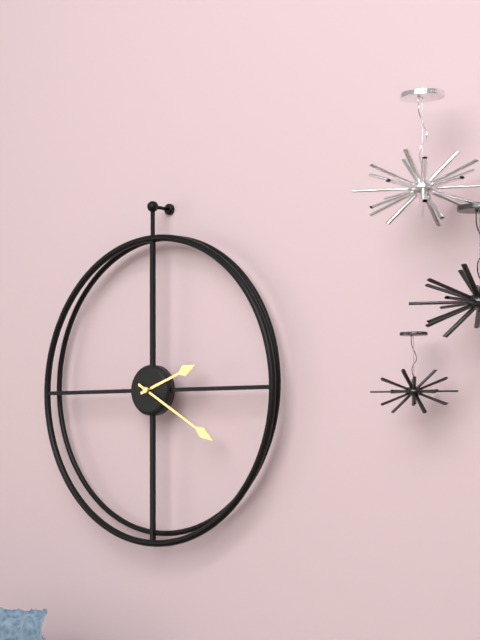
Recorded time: **2:20**
